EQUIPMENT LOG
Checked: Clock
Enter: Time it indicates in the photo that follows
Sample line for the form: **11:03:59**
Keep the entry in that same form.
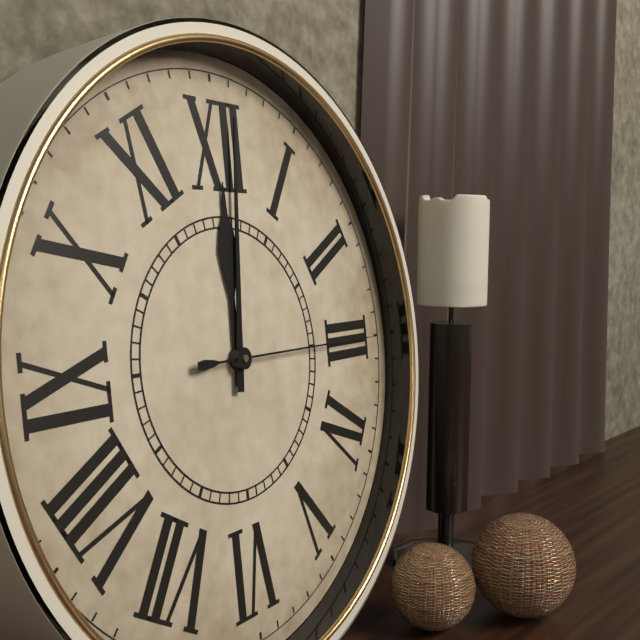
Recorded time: **12:01:15**
